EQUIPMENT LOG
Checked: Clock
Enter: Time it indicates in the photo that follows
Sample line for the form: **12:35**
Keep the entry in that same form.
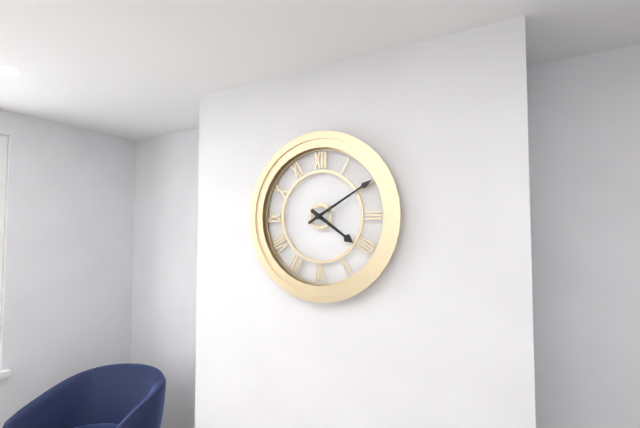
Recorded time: **4:10**
